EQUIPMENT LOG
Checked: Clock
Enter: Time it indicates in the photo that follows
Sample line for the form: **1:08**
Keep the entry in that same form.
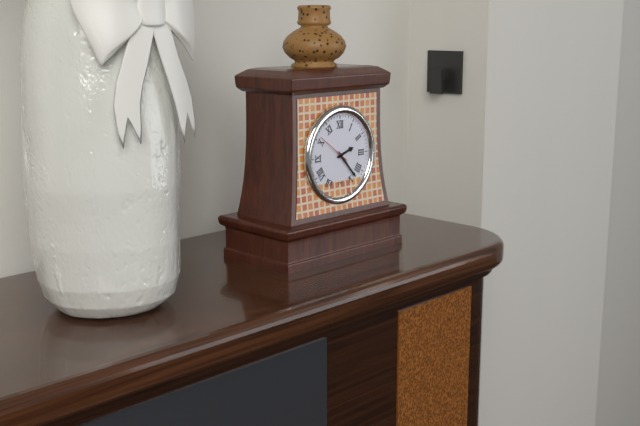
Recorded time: **2:23**
